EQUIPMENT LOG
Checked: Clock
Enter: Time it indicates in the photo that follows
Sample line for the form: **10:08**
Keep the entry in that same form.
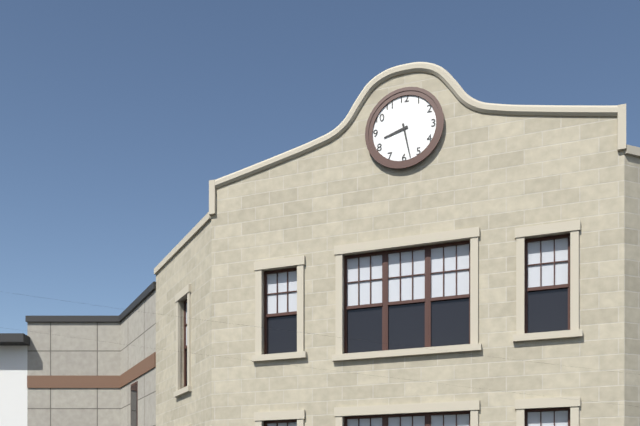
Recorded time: **8:28**
